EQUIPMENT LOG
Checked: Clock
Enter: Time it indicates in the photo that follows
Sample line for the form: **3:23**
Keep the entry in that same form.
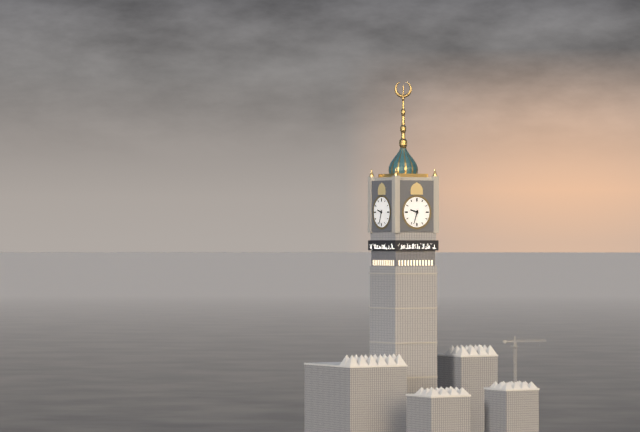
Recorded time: **9:33**
